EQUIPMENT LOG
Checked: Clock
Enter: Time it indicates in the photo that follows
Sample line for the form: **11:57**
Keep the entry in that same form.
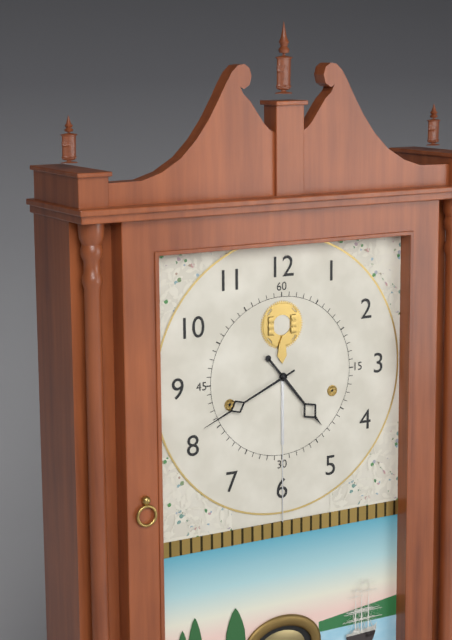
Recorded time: **4:41**
